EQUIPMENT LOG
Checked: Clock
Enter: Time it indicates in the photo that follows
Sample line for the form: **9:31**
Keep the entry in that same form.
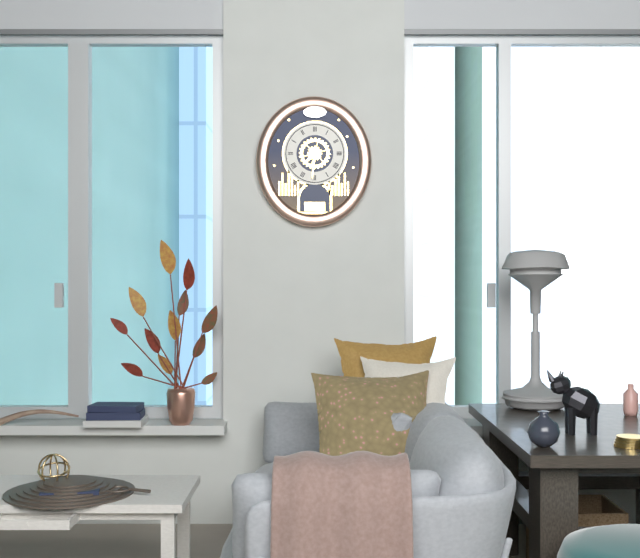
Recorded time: **7:31**
